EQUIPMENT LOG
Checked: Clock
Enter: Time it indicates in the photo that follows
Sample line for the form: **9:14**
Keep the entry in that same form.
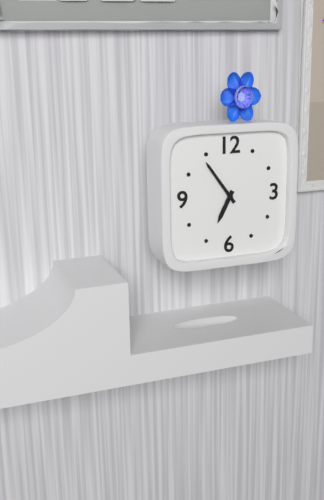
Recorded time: **6:54**
